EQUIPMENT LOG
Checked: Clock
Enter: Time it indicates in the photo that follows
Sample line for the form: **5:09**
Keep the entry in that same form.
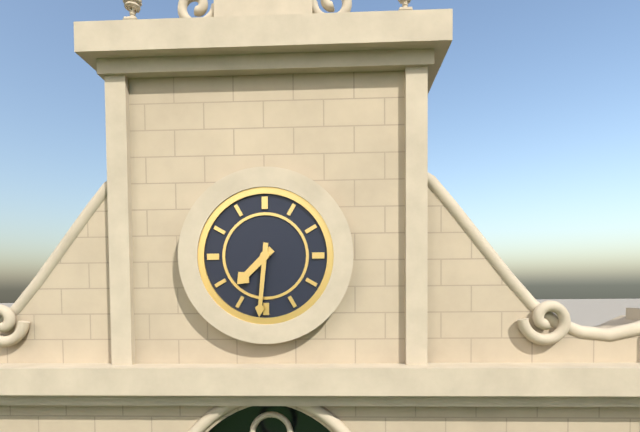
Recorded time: **7:31**
